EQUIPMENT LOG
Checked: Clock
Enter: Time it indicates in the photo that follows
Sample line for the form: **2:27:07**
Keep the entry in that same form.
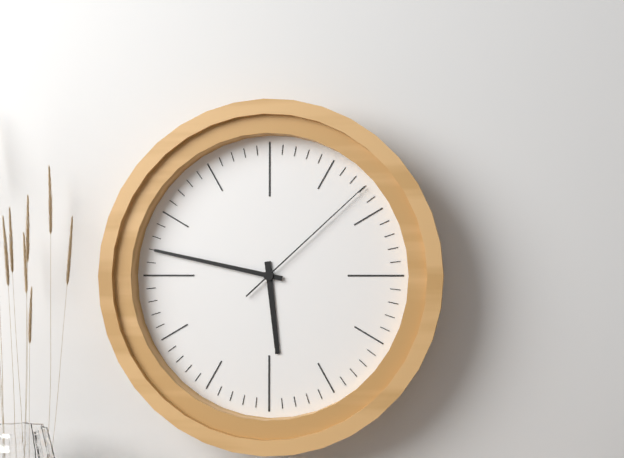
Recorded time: **5:47:08**
